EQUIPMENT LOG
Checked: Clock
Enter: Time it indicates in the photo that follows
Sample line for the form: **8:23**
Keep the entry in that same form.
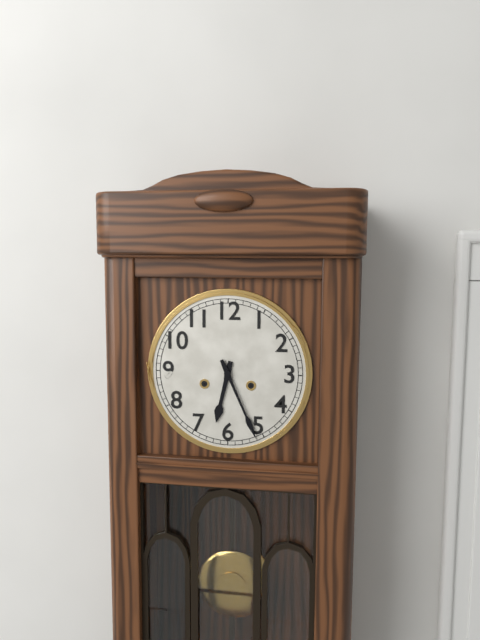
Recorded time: **6:26**
